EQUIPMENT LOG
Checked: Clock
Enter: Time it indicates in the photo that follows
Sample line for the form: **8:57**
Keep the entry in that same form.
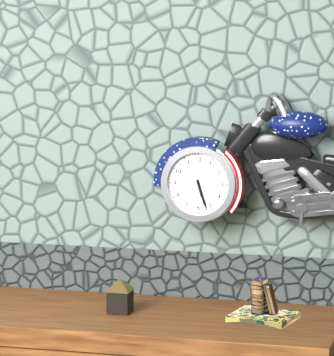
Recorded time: **5:27**
